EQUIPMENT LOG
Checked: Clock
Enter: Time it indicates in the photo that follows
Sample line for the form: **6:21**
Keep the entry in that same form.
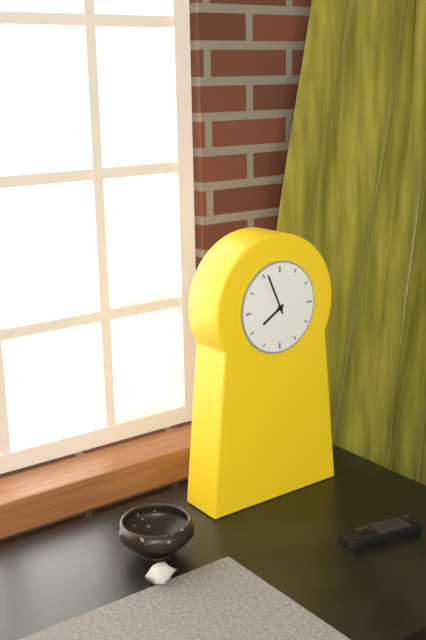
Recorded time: **7:56**
